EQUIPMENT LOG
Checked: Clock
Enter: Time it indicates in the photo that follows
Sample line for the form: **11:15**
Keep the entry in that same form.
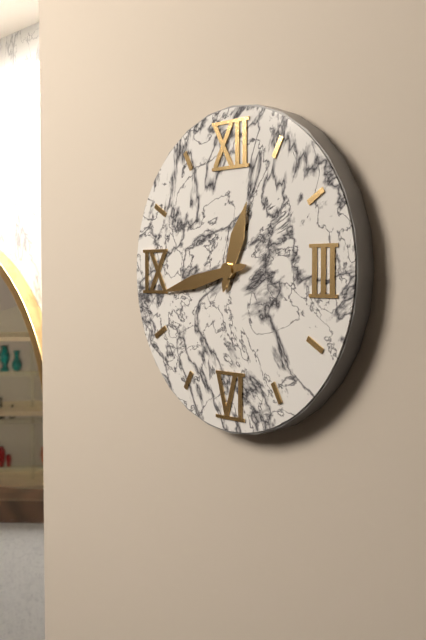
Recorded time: **12:43**
